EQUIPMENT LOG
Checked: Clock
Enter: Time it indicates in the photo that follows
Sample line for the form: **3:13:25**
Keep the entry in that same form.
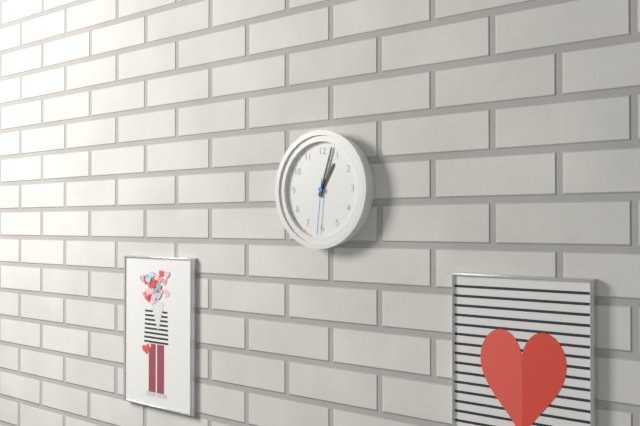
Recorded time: **1:03:31**
